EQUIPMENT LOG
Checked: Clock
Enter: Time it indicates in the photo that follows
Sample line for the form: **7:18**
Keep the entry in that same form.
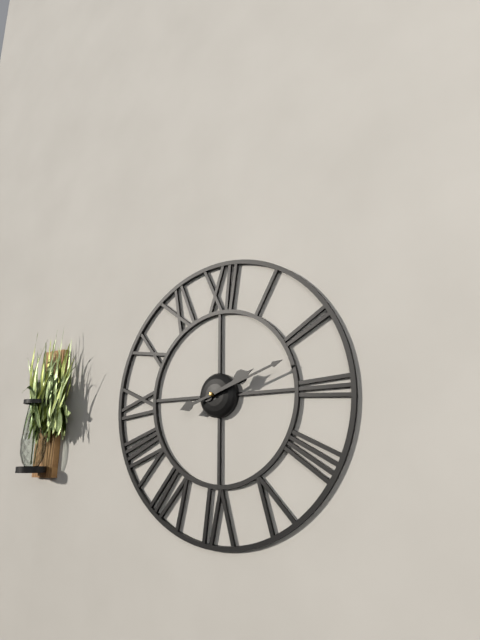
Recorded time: **2:12**
